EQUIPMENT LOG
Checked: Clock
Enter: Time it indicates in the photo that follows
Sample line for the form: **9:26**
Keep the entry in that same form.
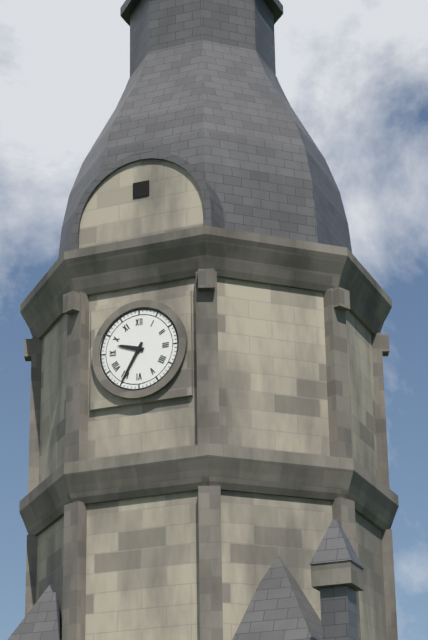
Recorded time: **9:35**
